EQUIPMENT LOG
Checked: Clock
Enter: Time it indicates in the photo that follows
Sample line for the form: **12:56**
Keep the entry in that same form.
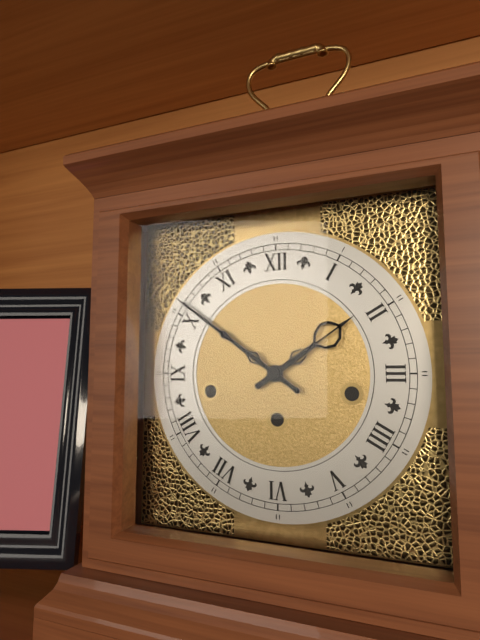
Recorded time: **1:51**
